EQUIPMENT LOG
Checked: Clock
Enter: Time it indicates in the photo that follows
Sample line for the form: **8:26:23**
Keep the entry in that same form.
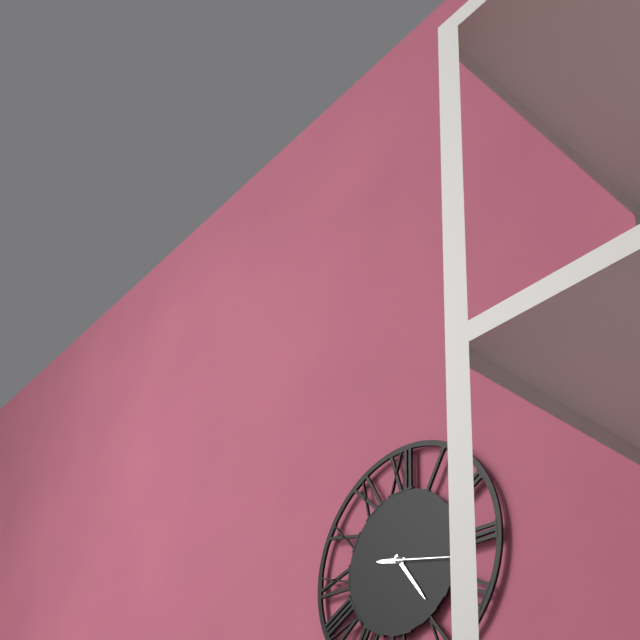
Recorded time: **9:24:17**
